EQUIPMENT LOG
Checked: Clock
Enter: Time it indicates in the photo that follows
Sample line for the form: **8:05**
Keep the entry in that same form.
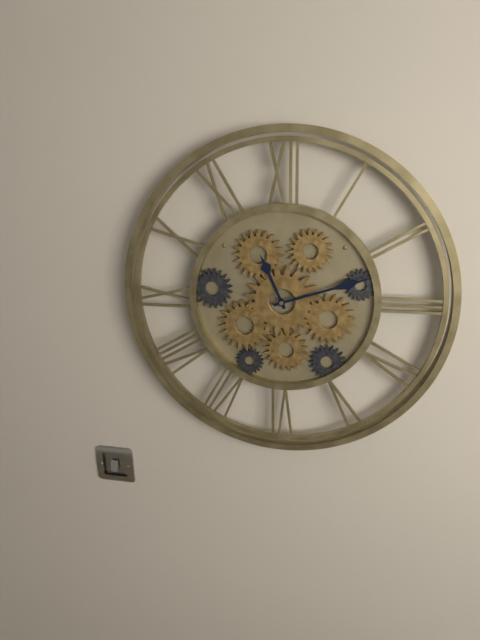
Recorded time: **11:12**
